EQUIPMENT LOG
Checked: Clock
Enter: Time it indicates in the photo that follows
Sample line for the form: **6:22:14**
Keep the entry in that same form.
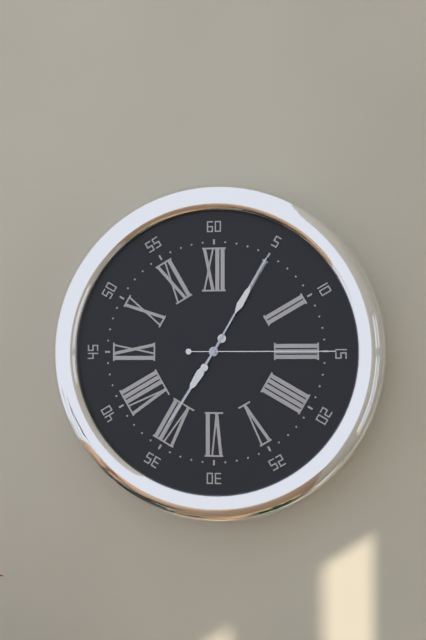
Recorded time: **7:05:15**
